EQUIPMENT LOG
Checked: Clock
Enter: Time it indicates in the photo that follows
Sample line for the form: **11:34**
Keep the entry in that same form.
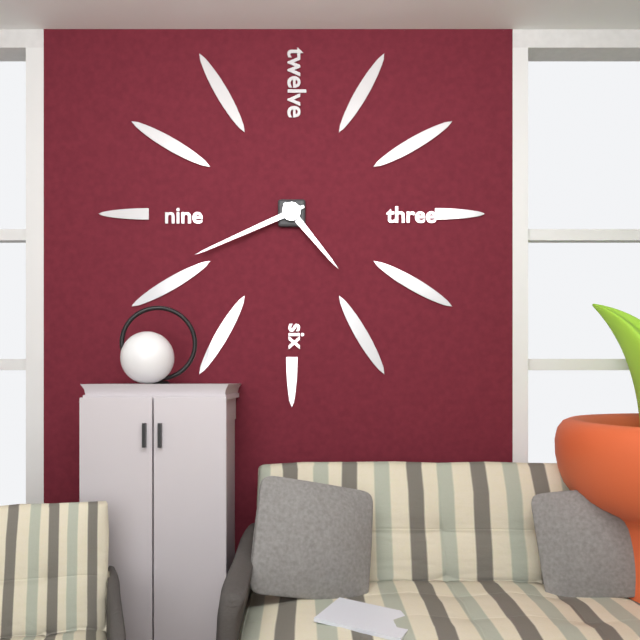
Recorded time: **4:41**
